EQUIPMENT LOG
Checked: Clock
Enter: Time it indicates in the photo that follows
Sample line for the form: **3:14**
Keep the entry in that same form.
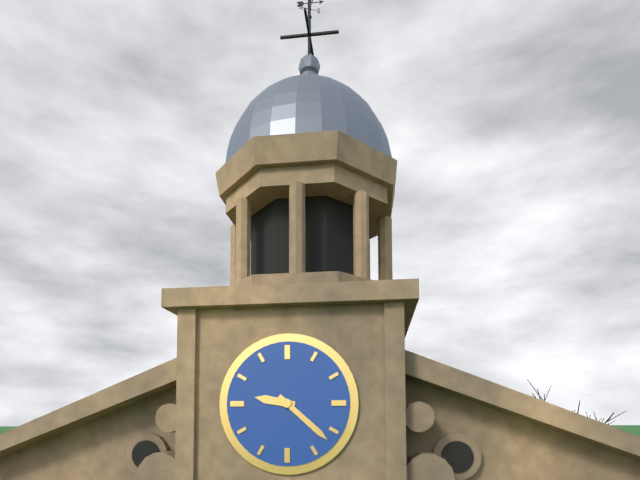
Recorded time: **9:22**
